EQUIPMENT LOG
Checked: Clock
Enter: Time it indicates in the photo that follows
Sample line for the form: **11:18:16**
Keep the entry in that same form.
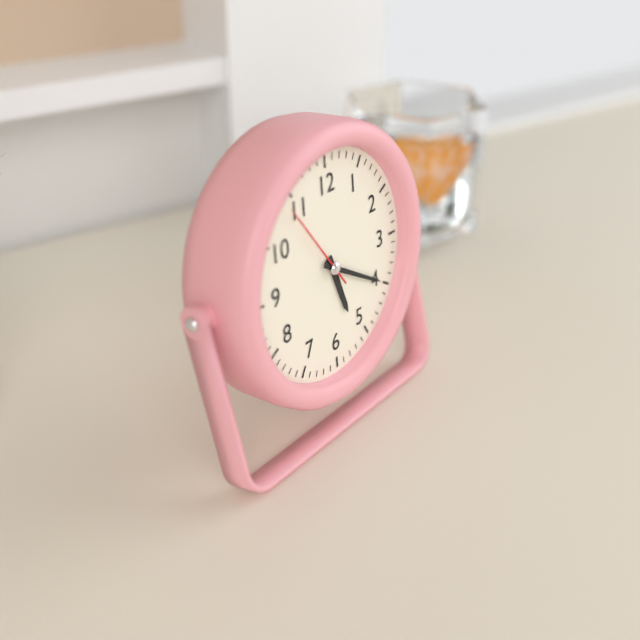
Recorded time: **5:20:54**
